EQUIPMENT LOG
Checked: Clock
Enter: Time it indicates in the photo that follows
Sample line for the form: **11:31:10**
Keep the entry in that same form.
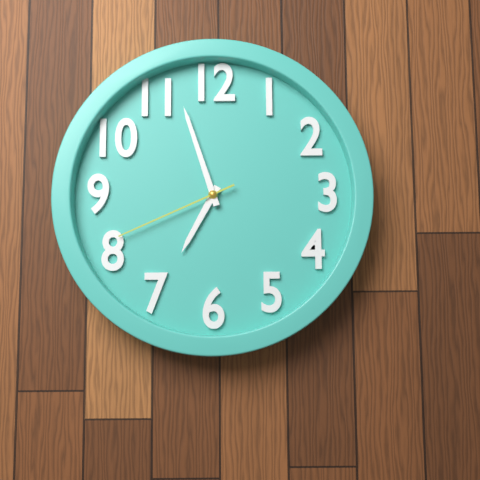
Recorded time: **6:57:41**
